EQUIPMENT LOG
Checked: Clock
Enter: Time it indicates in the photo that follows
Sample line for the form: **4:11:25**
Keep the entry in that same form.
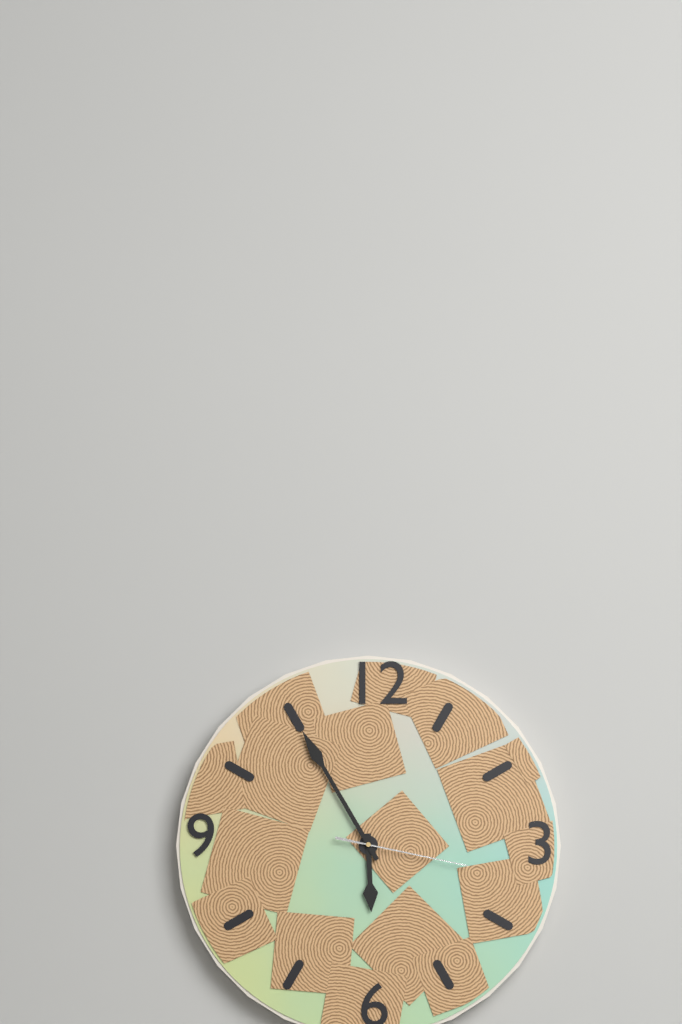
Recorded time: **5:55:17**
